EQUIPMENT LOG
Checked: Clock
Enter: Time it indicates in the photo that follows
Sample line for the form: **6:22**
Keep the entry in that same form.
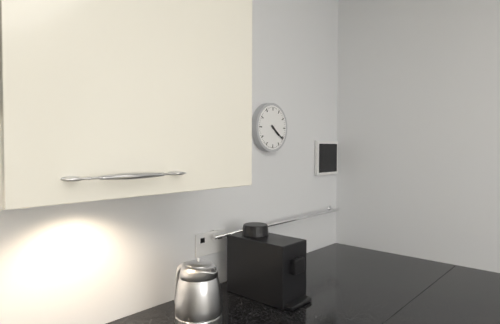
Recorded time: **4:21**
